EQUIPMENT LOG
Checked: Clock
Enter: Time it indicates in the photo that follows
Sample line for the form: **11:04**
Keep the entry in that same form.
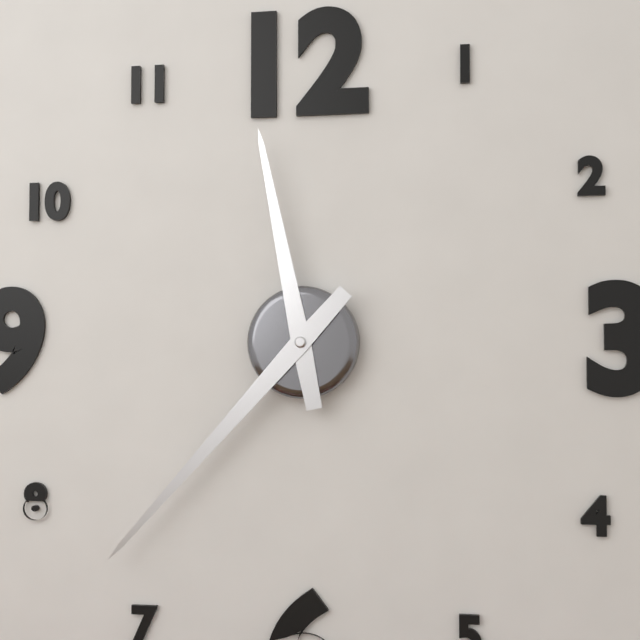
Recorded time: **11:37**
